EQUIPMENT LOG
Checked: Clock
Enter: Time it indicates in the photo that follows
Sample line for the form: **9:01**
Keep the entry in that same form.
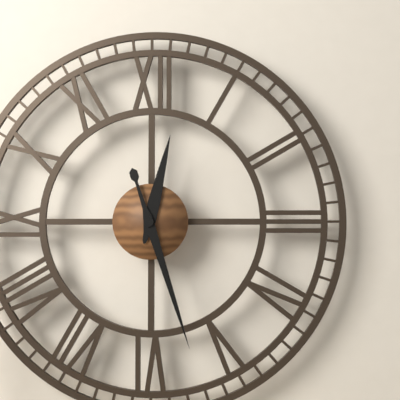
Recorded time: **12:27**
